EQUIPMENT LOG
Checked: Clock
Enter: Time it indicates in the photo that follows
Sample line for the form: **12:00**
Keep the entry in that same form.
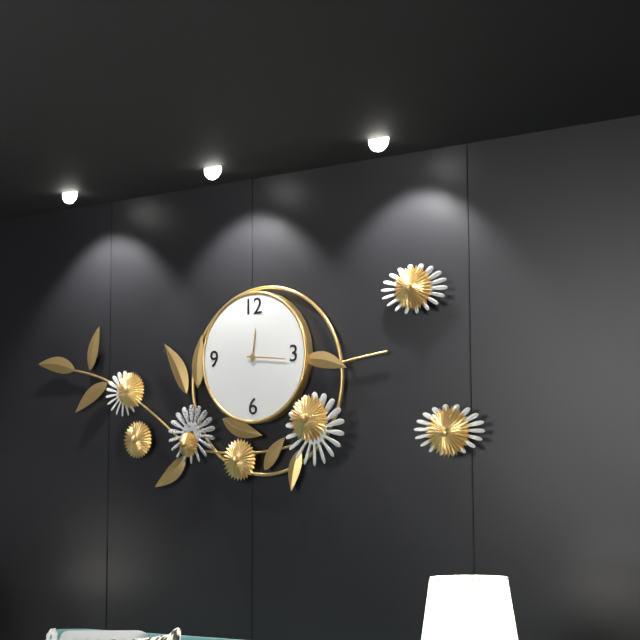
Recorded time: **12:16**
